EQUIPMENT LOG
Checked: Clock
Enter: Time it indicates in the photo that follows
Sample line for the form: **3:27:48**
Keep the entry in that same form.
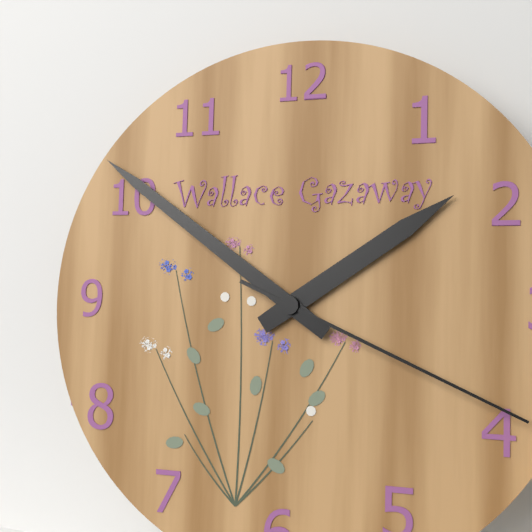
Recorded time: **1:51:19**
